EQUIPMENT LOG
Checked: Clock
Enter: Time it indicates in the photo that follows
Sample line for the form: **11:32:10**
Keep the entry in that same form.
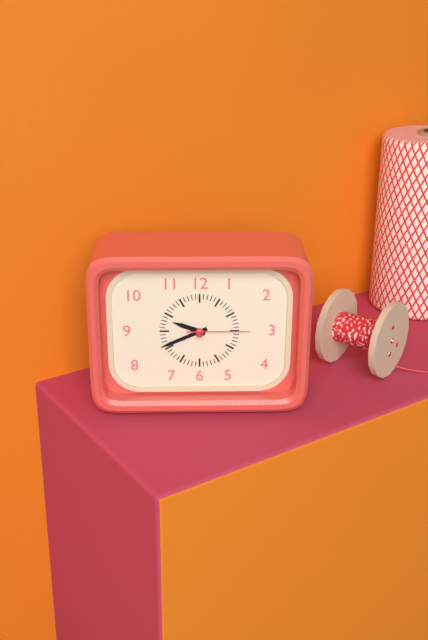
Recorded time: **9:41:15**
